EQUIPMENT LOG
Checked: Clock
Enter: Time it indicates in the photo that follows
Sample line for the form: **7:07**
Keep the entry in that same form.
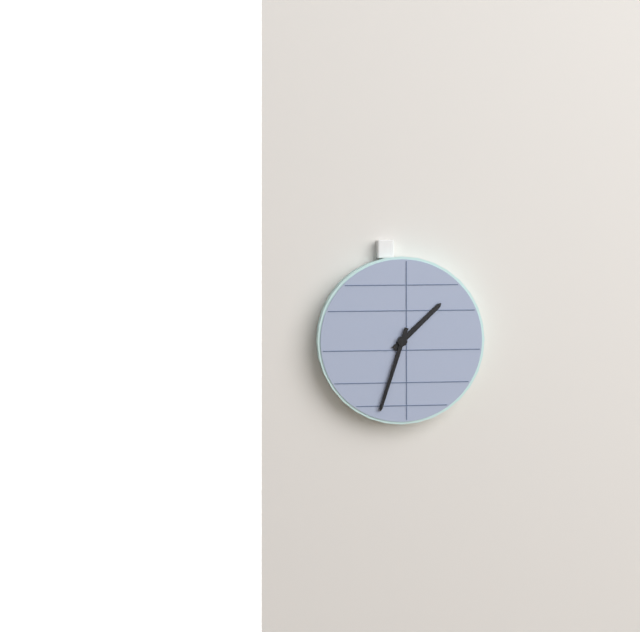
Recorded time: **1:33**
